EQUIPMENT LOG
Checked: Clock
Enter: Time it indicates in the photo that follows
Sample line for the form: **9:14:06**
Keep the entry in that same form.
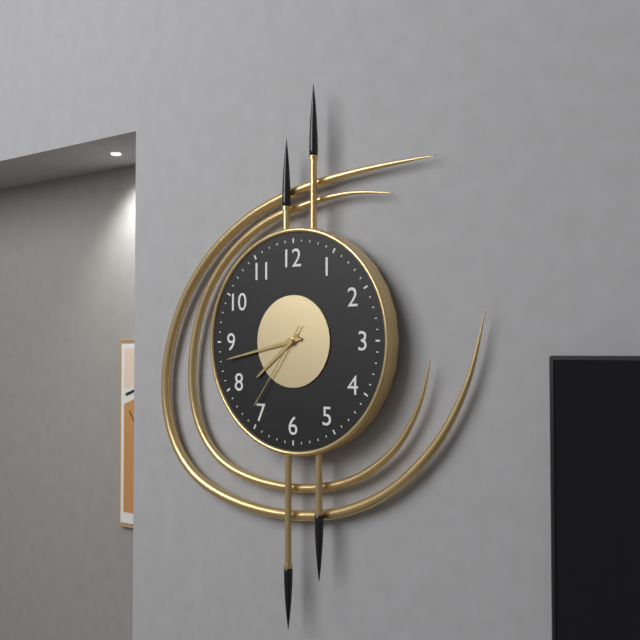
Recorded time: **7:43:36**
